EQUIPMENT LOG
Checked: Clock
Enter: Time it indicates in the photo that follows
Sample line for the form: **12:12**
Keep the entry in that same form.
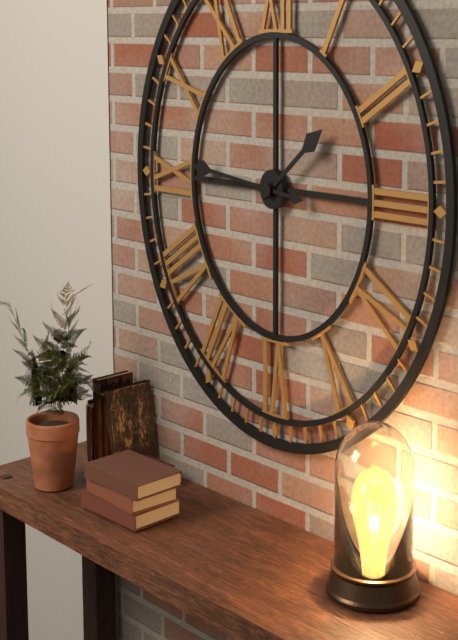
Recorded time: **1:46**
